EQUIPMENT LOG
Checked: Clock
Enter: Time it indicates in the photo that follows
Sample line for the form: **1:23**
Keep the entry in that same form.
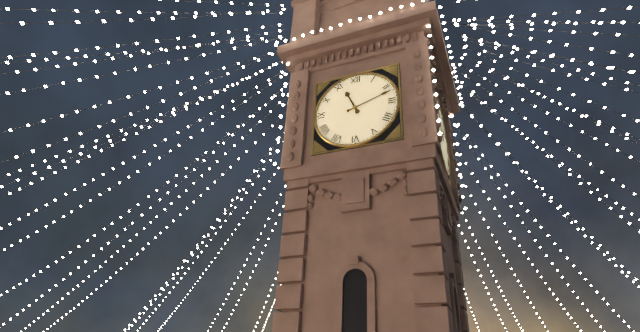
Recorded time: **11:12**
